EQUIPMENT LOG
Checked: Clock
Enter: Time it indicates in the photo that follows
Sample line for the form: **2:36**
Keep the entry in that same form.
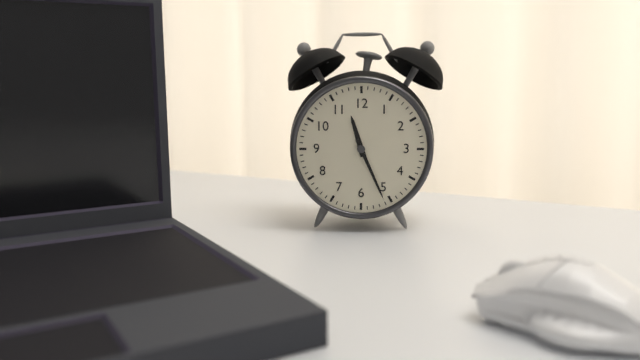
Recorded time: **11:26**
